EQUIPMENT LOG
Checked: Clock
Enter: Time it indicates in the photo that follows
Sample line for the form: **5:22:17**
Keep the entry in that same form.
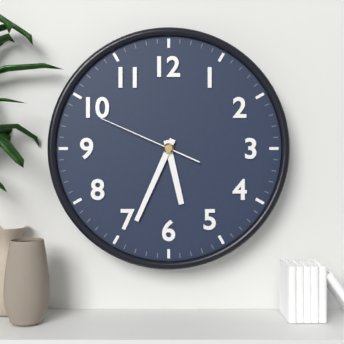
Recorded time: **5:34:49**
